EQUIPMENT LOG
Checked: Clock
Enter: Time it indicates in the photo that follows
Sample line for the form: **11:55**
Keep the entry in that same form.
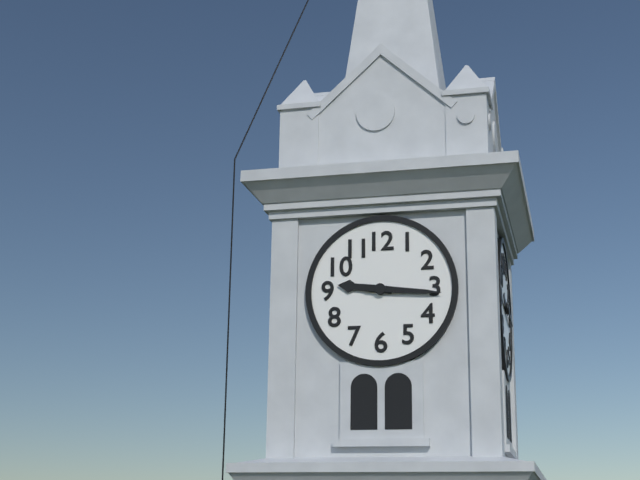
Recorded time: **9:16**
